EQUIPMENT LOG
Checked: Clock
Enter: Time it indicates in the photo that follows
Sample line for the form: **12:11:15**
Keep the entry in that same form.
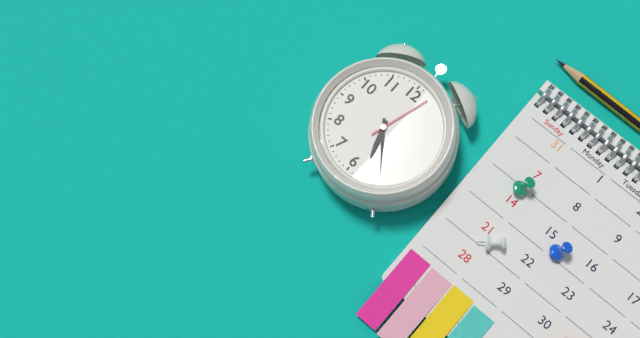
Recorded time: **5:24:03**
